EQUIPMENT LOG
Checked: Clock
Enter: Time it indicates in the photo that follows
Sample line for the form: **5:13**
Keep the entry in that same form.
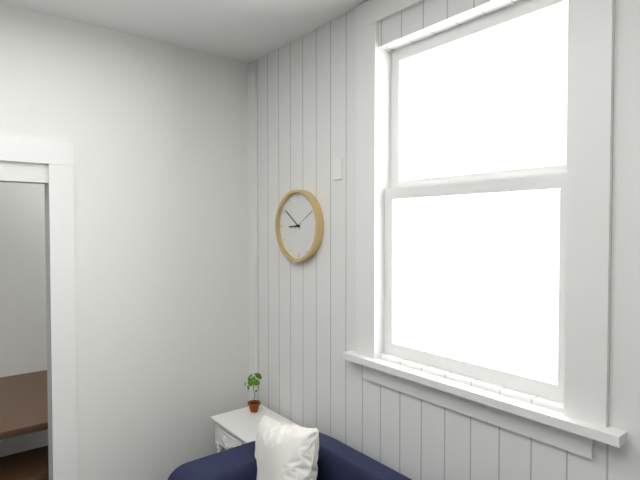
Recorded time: **8:51**
